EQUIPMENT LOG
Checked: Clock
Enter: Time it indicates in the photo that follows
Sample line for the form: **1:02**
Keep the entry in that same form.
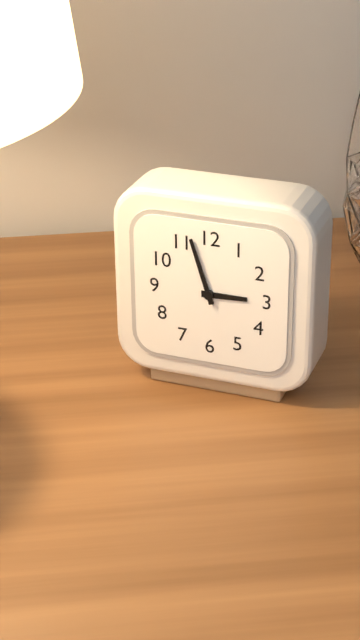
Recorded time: **2:57**
